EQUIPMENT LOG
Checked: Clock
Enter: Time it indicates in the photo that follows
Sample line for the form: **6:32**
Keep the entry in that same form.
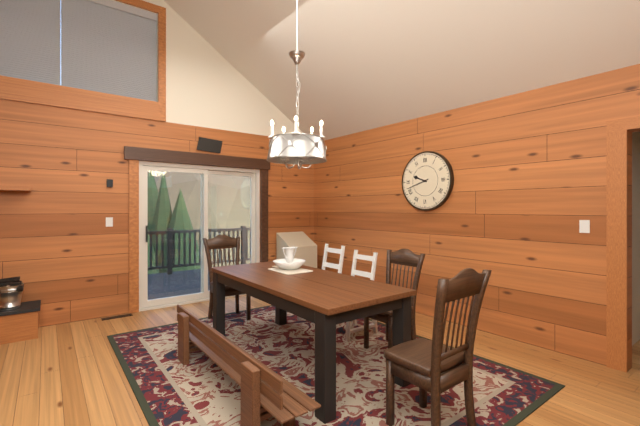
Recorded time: **9:42**
